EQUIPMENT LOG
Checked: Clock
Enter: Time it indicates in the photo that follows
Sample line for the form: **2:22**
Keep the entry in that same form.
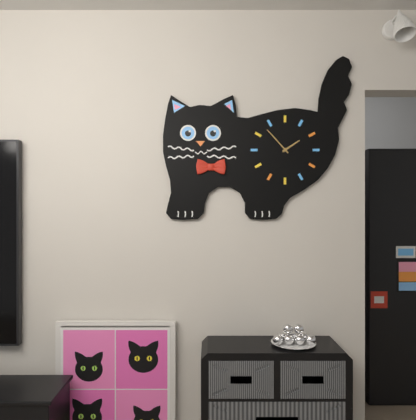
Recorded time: **1:53**
